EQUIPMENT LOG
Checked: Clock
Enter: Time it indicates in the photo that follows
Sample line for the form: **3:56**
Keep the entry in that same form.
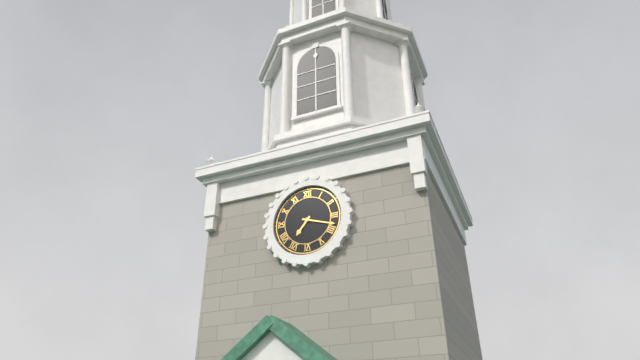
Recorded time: **7:18**
